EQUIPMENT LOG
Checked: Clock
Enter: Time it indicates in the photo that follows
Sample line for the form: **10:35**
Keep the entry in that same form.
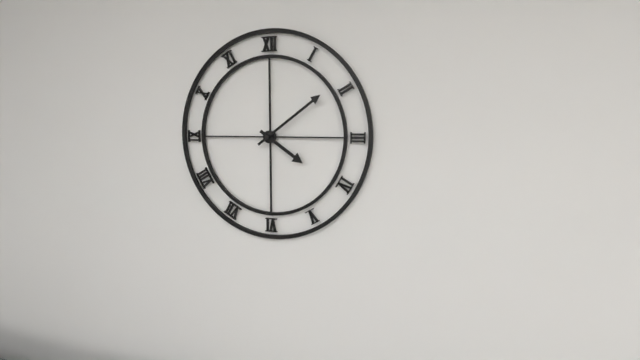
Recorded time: **4:09**
